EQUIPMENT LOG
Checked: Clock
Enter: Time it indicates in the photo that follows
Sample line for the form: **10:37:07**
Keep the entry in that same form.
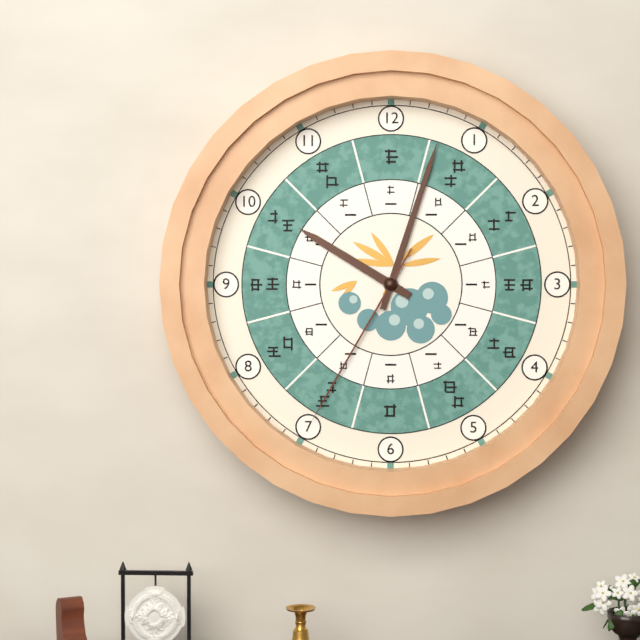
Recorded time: **10:03:35**
